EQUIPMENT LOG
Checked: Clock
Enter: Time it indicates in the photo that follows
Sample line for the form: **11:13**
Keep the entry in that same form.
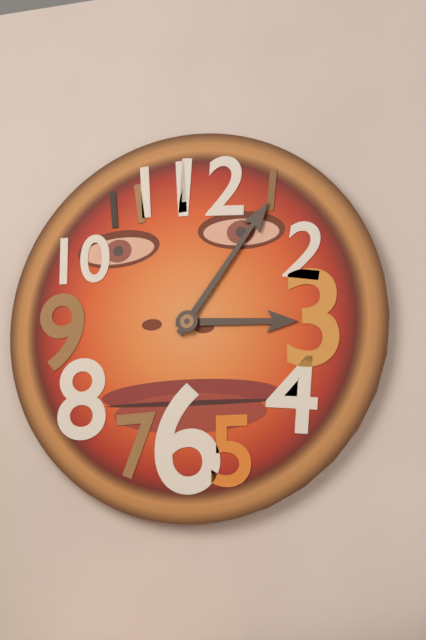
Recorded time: **3:06**
